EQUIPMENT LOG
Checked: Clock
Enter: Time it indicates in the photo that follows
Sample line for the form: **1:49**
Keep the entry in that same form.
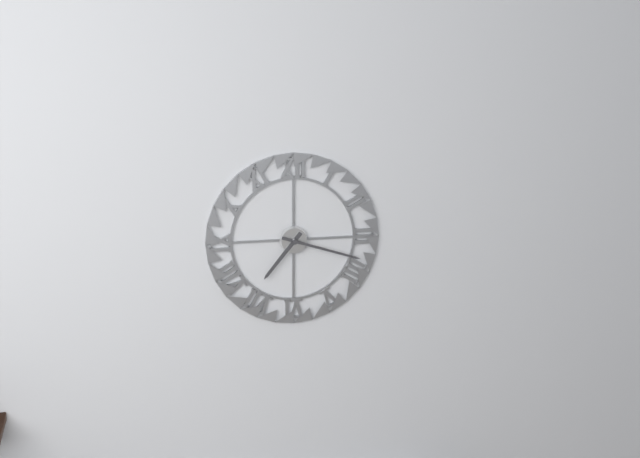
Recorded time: **7:18**
